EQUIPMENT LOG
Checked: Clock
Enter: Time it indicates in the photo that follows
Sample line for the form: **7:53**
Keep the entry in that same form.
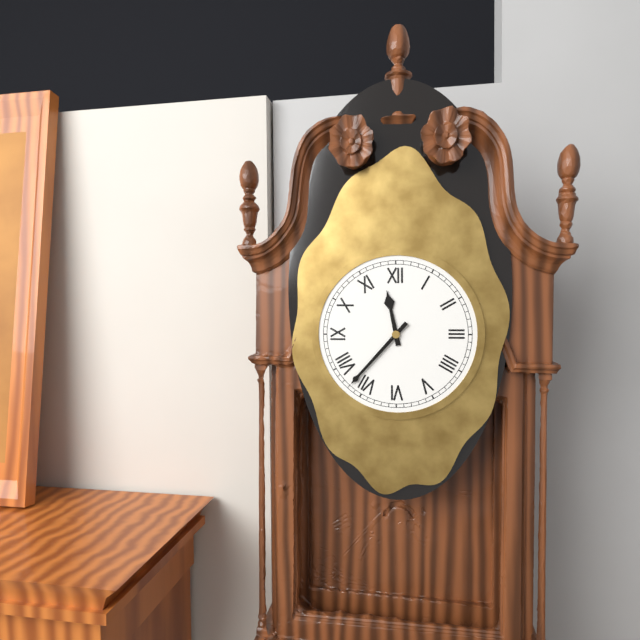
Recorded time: **11:37**
